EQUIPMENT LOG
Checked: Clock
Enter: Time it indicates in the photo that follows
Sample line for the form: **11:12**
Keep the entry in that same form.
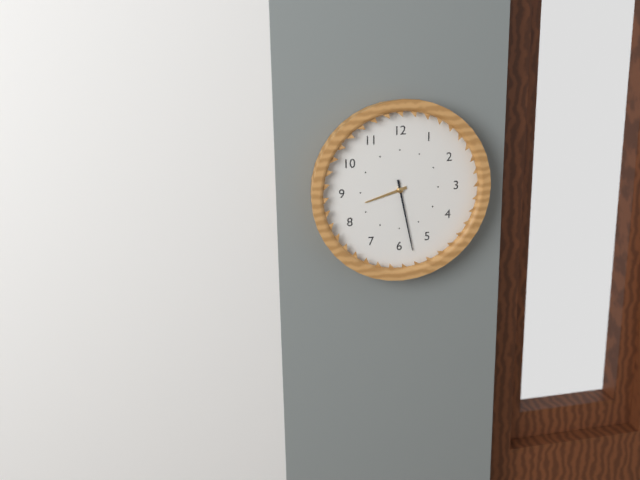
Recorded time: **8:28**
